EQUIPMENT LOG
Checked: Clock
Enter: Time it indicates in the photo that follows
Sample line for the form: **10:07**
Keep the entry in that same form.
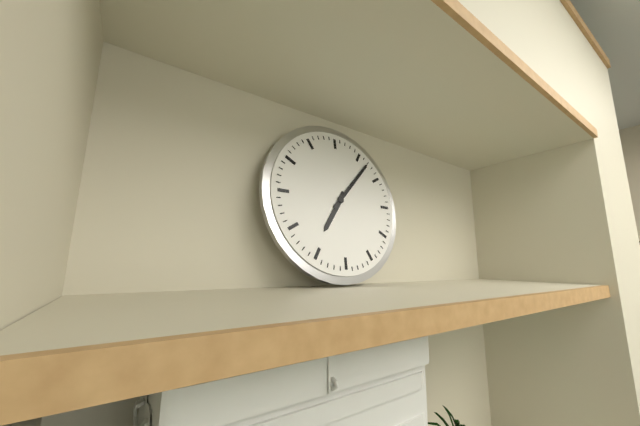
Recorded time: **7:07**
